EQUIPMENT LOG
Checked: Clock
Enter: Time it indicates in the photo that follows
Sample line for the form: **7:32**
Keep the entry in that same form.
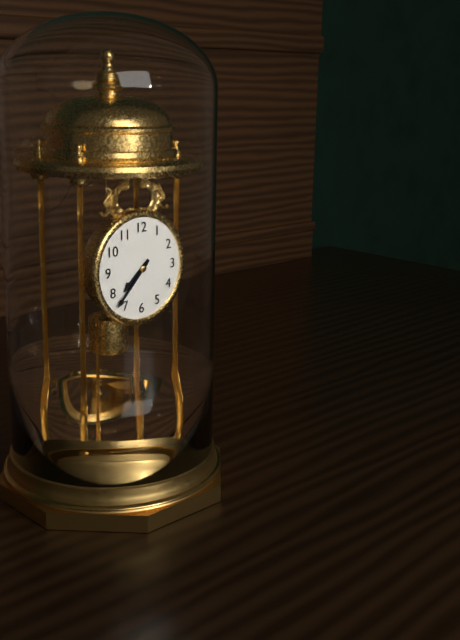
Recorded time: **7:37**
